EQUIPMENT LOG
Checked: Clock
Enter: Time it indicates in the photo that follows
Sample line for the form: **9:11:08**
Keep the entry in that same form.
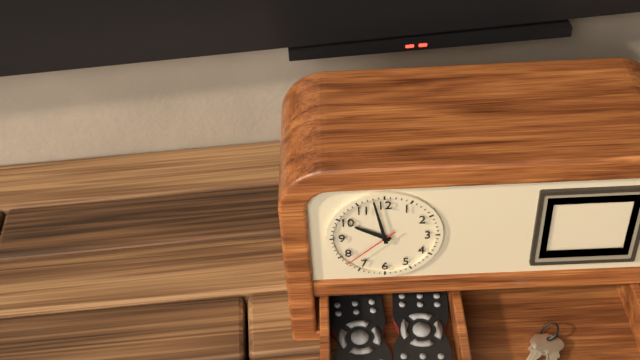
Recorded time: **9:58:38**
